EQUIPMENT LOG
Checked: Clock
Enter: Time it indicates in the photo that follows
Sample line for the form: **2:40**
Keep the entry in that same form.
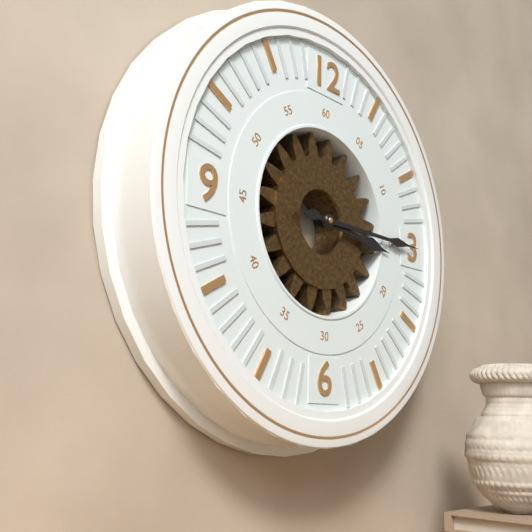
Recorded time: **3:15**
